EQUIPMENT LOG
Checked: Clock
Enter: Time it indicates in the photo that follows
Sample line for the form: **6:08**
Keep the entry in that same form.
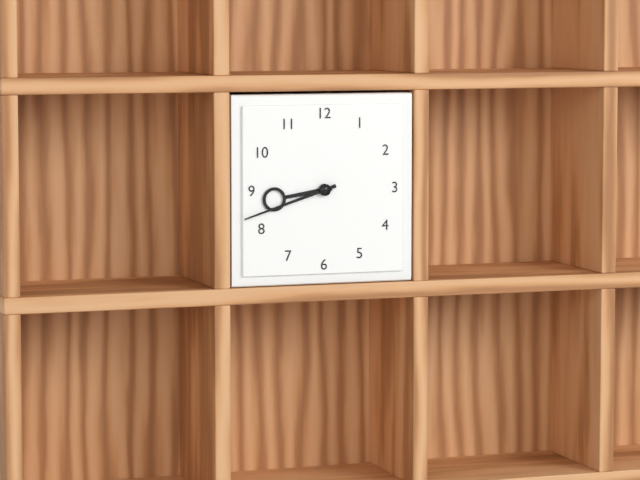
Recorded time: **8:42**
